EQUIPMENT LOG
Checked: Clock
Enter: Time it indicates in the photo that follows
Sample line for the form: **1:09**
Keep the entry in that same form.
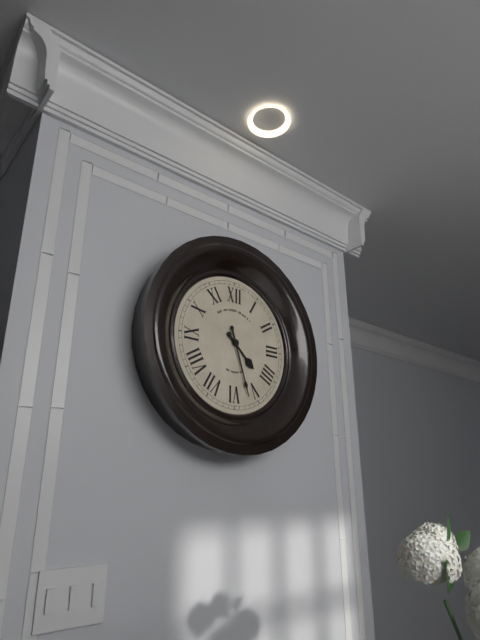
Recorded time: **4:27**
